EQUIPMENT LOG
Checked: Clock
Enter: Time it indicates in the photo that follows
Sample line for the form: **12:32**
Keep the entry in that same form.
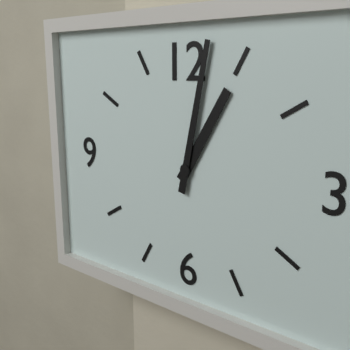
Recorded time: **1:02**
